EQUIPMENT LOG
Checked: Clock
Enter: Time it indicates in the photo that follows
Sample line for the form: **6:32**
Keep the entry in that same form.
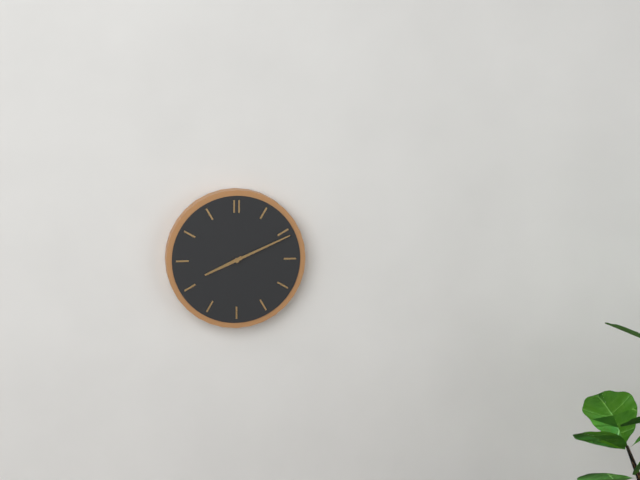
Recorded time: **8:11**
